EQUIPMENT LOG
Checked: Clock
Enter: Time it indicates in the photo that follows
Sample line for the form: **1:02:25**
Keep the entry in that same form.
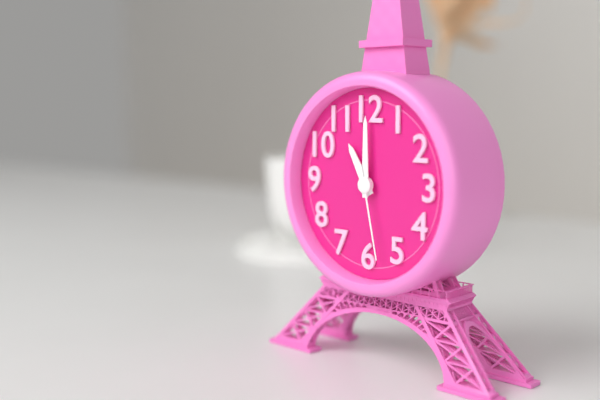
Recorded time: **11:00:28**
